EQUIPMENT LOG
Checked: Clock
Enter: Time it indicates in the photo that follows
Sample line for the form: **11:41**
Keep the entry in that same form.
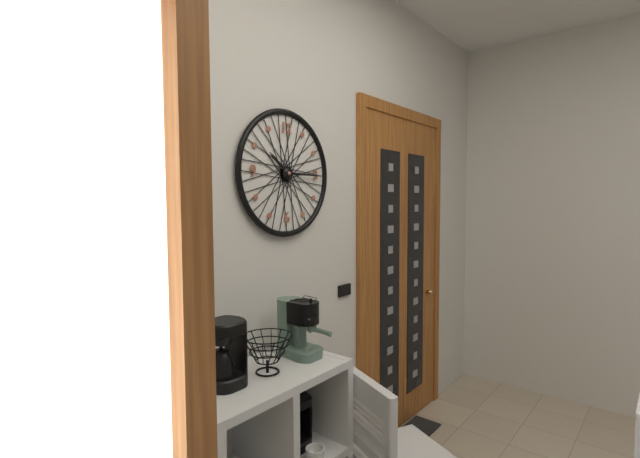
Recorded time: **10:15**
